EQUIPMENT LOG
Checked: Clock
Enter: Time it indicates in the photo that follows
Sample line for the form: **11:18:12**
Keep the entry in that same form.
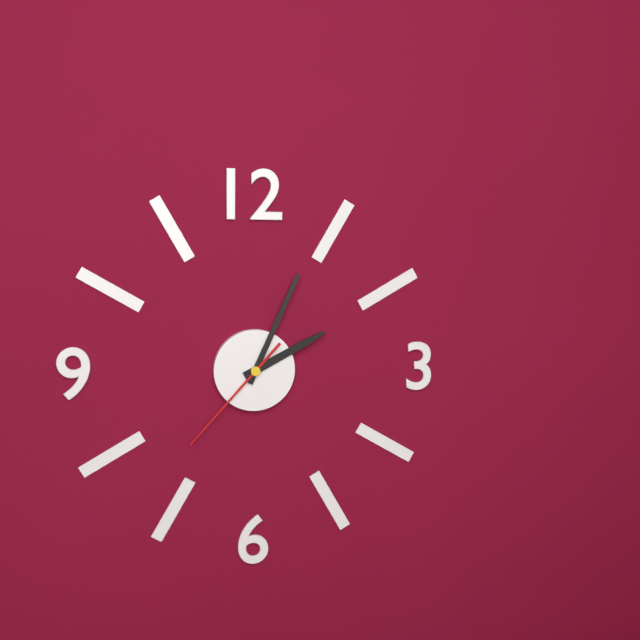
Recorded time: **2:04:37**
